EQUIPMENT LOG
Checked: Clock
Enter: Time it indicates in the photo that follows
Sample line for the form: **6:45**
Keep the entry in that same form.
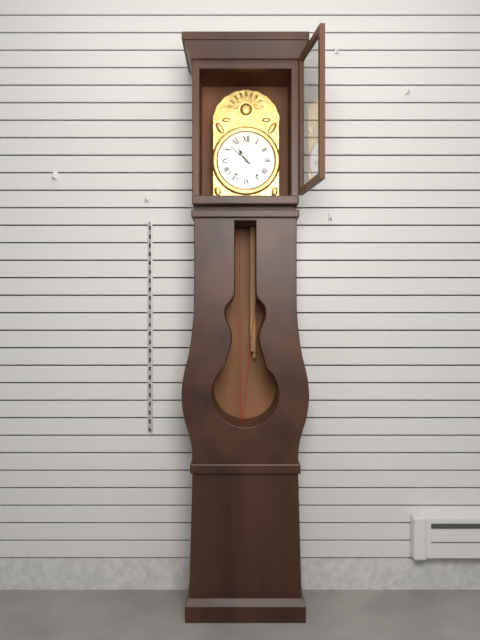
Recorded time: **10:52**
